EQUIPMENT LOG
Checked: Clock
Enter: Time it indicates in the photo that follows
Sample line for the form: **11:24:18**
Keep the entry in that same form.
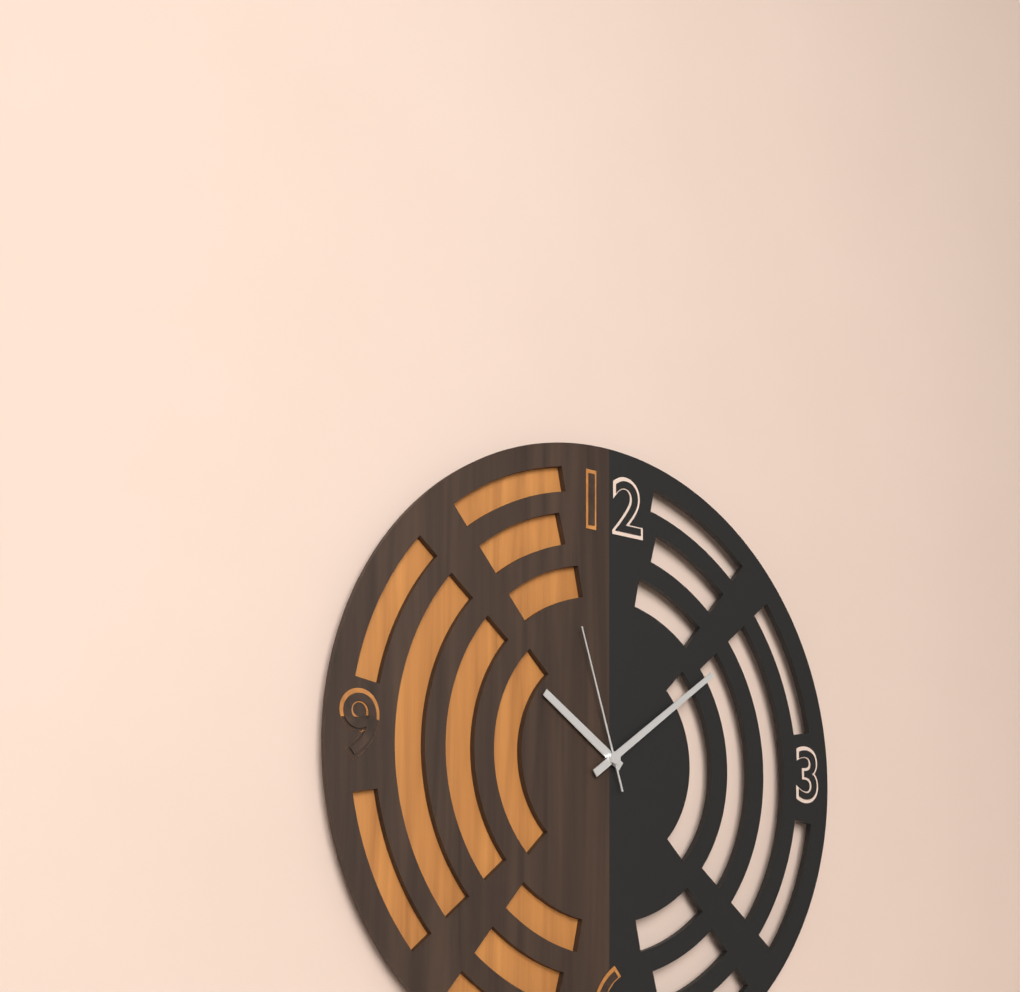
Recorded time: **10:09:57**
